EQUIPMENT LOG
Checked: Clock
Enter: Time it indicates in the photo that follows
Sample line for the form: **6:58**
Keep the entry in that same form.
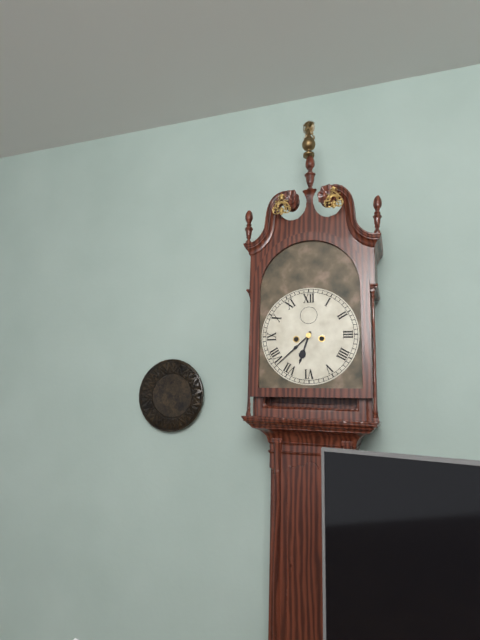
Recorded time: **6:38**
